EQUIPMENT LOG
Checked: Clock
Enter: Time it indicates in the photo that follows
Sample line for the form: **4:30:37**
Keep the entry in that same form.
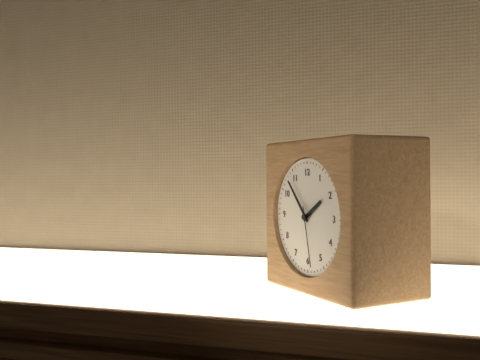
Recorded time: **1:53:28**
